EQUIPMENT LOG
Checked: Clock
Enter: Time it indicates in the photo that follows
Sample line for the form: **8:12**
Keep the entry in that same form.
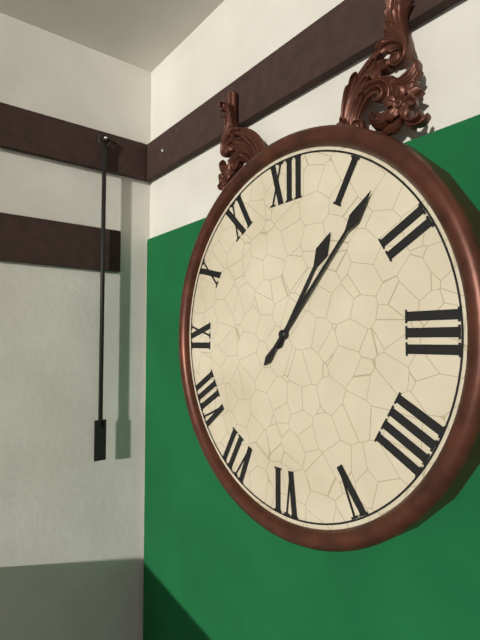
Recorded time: **1:07**
